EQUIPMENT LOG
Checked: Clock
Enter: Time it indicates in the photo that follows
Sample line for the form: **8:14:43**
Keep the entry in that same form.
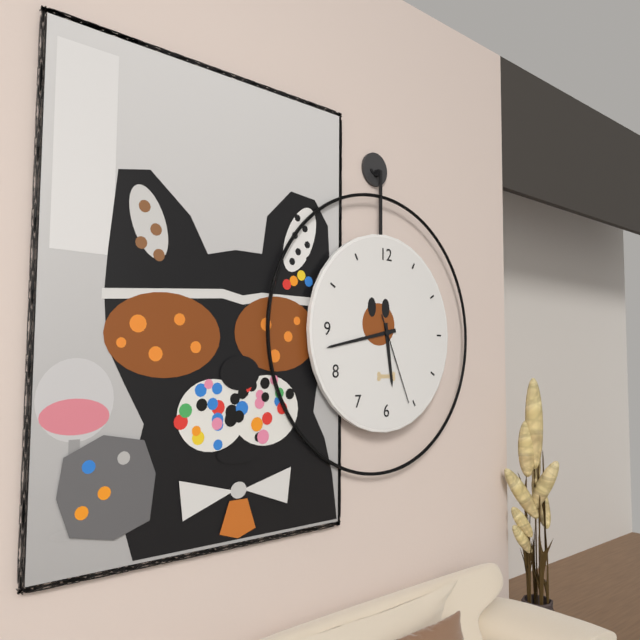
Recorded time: **5:43:26**
